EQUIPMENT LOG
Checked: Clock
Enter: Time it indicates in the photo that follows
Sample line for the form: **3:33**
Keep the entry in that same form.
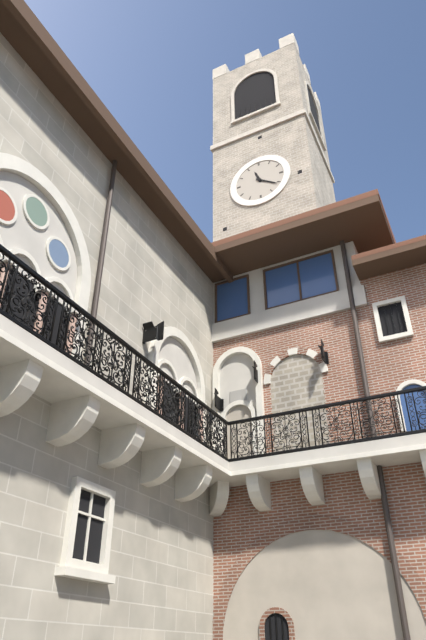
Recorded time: **11:21**
